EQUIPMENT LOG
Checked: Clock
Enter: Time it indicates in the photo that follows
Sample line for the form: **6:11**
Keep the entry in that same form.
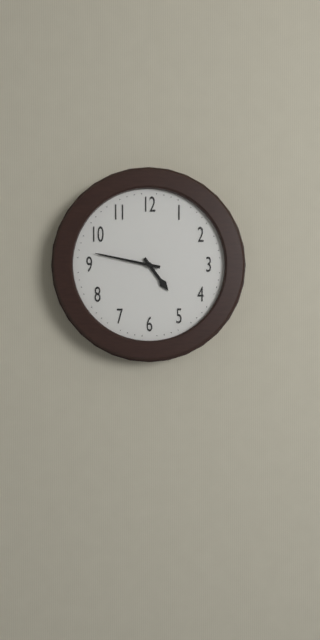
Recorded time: **4:47**
